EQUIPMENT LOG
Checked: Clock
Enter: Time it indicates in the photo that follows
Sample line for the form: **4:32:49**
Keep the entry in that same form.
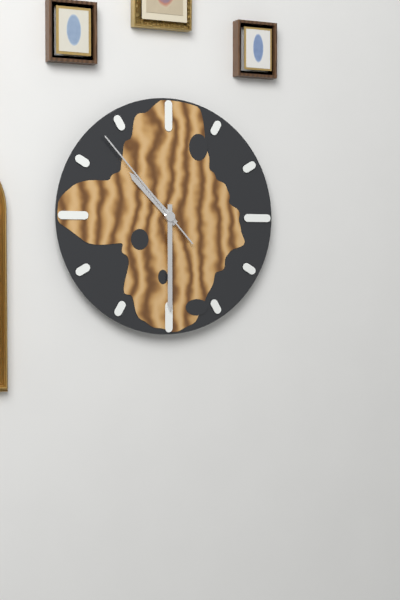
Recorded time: **10:30:53**
